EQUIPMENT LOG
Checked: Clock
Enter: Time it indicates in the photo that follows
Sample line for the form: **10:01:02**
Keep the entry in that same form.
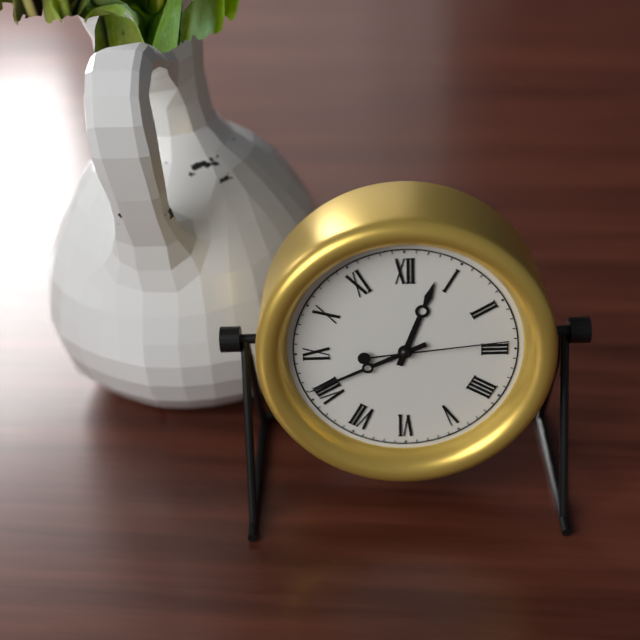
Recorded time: **12:41:14**
